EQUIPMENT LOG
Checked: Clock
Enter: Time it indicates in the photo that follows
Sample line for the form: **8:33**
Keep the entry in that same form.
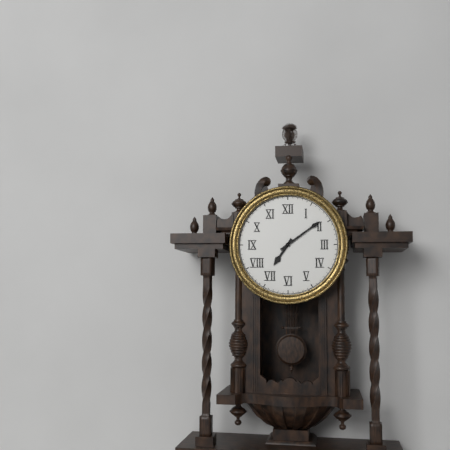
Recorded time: **7:09**
